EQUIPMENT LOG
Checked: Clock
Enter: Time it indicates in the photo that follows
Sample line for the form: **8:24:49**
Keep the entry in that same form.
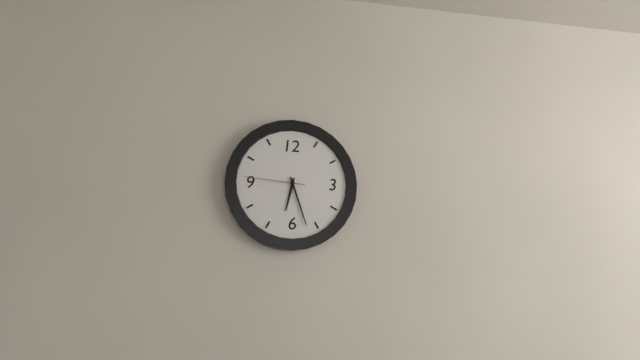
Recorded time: **6:27:46**
